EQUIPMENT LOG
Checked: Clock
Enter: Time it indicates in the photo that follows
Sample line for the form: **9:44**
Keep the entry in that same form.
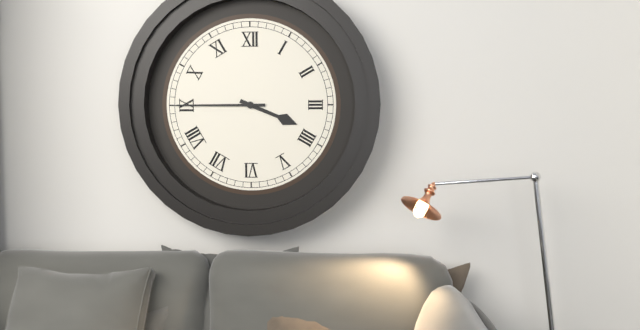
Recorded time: **3:45**
